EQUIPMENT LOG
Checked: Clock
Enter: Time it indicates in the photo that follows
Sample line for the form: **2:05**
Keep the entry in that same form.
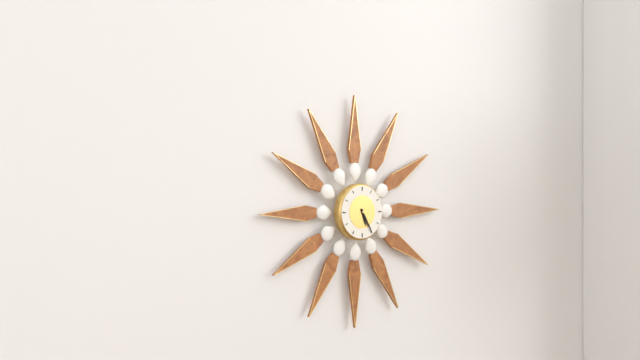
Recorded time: **5:25**
